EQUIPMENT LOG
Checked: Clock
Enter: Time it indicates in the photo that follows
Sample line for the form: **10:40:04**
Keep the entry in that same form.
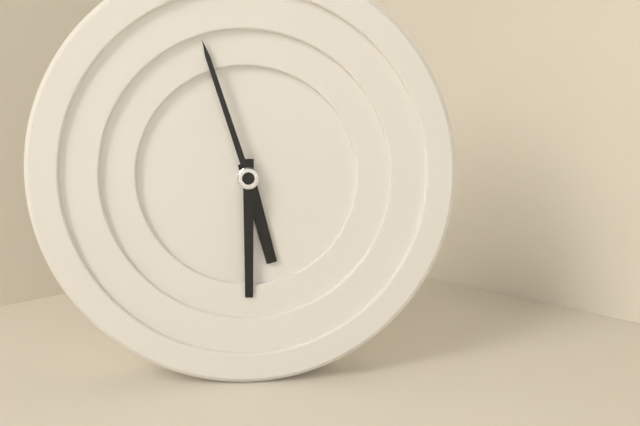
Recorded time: **5:30:57**
